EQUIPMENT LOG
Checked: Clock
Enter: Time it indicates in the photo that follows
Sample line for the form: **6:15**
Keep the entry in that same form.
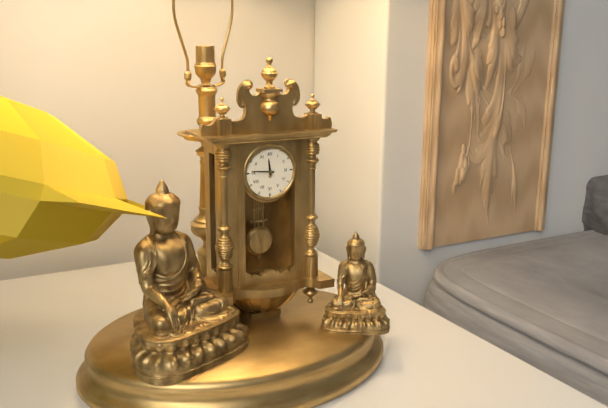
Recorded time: **11:46**
